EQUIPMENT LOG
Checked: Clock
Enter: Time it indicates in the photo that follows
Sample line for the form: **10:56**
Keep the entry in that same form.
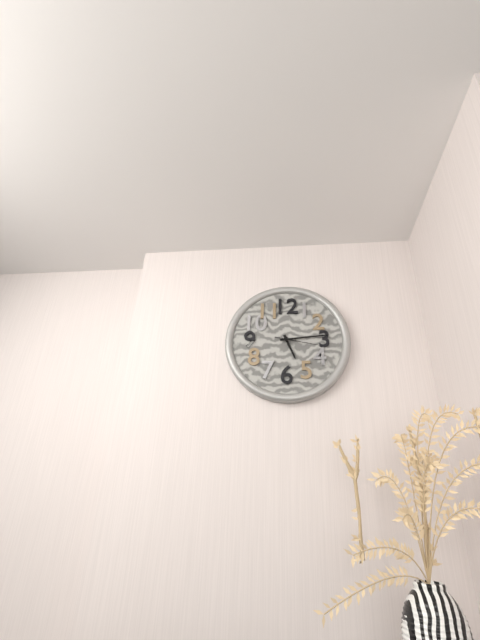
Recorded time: **5:14**
